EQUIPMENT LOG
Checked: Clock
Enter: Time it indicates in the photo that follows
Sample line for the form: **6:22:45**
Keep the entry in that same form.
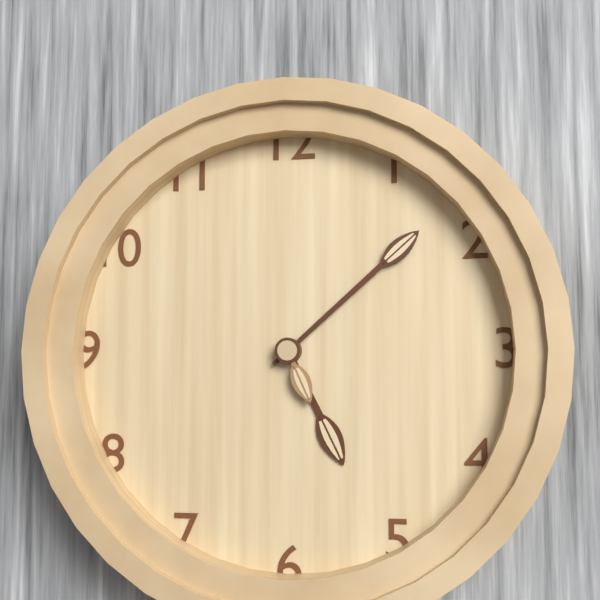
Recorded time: **5:08:26**
